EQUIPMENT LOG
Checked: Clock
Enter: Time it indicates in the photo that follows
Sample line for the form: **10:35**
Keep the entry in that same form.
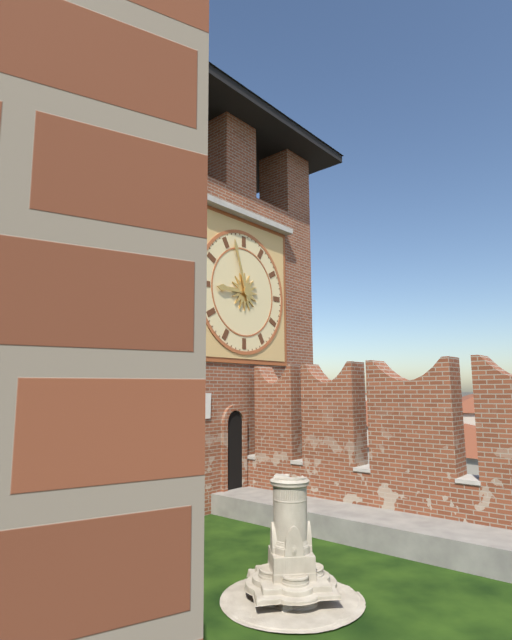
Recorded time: **8:57**
